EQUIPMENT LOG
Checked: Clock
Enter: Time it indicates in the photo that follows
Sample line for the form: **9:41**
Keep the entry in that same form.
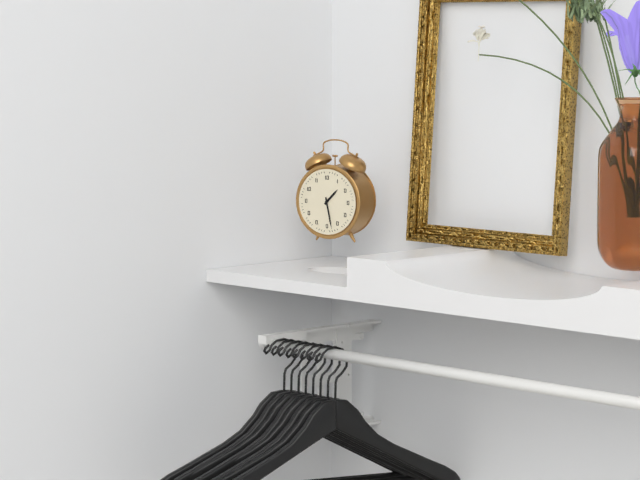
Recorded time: **1:28**
